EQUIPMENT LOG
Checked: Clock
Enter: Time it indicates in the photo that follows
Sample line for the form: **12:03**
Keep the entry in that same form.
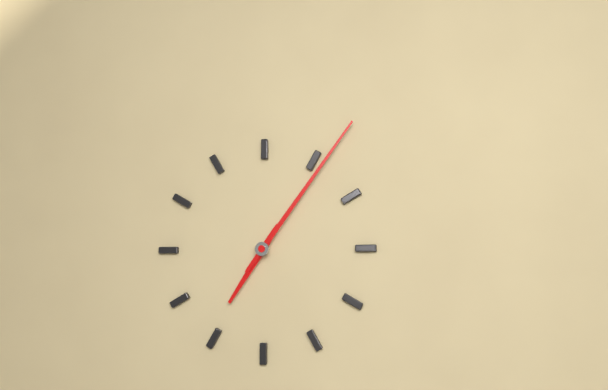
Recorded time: **7:06**
